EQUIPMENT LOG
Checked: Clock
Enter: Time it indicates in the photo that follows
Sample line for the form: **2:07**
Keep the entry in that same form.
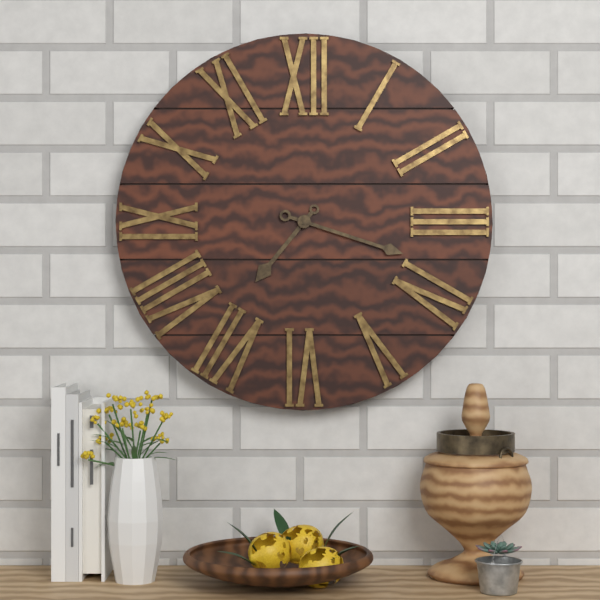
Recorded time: **7:18**
